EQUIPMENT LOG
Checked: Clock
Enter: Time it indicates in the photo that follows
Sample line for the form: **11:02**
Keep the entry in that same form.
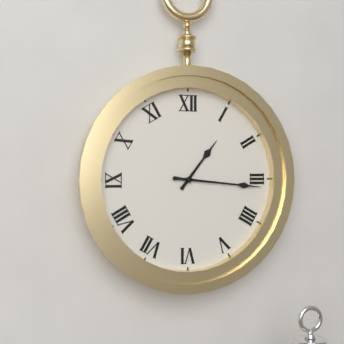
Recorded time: **1:16**
